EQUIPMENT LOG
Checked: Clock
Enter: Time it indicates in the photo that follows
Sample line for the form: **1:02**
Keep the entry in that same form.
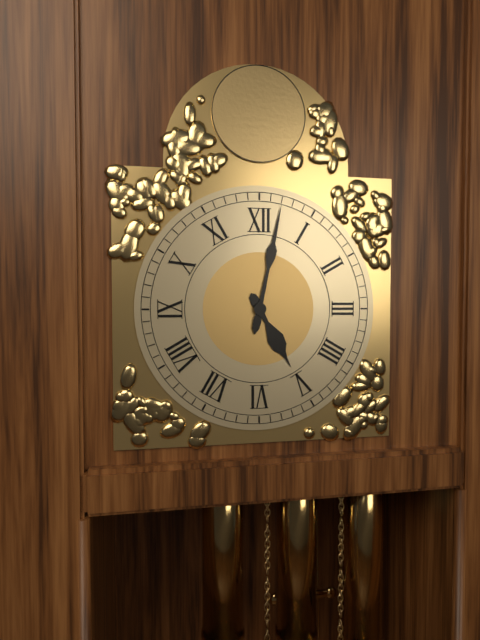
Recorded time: **5:02**
